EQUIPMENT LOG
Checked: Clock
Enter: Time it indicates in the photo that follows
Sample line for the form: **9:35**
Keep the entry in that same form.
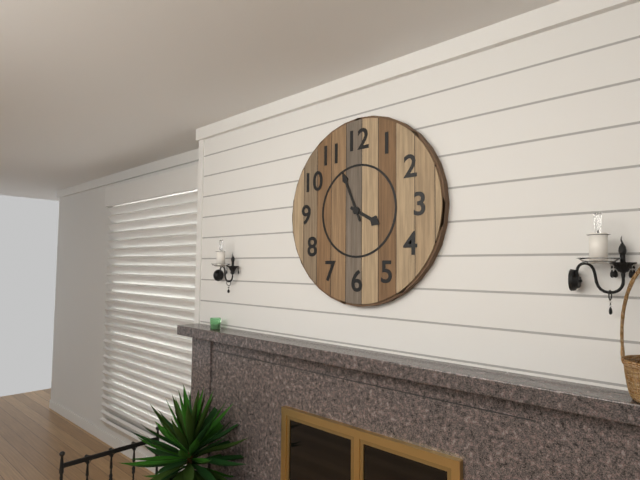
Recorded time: **3:56**
